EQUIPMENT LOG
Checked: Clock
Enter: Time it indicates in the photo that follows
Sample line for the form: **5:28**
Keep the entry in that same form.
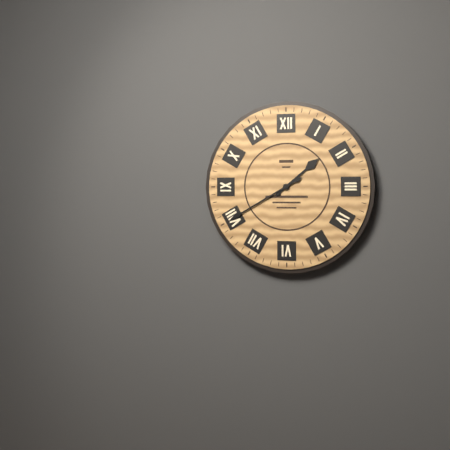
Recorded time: **1:40**
